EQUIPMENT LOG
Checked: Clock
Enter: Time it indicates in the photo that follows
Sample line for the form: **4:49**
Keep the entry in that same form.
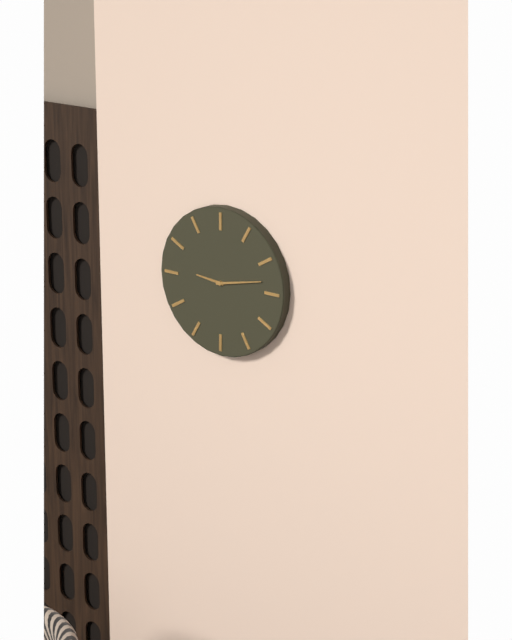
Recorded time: **9:13**
